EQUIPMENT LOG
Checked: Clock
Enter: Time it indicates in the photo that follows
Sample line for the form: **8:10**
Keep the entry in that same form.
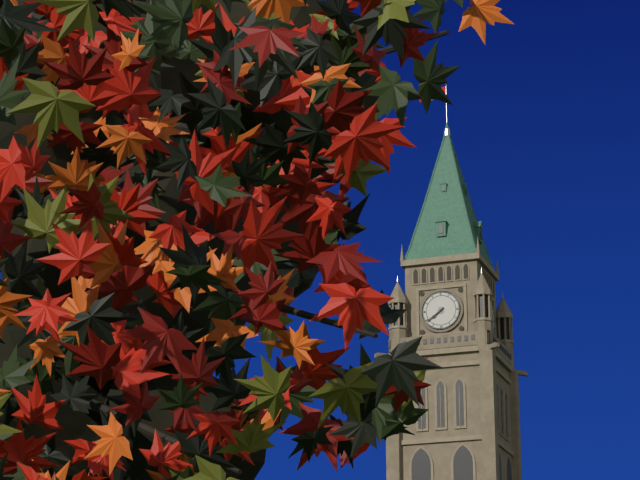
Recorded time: **7:39**
